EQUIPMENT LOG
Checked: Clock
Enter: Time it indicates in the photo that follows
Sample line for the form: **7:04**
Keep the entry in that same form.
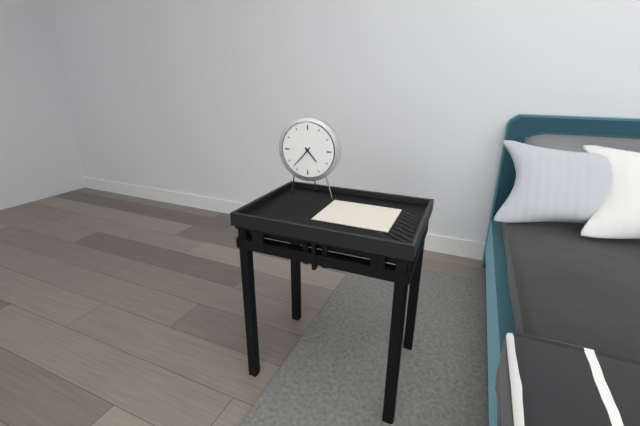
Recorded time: **4:37**
